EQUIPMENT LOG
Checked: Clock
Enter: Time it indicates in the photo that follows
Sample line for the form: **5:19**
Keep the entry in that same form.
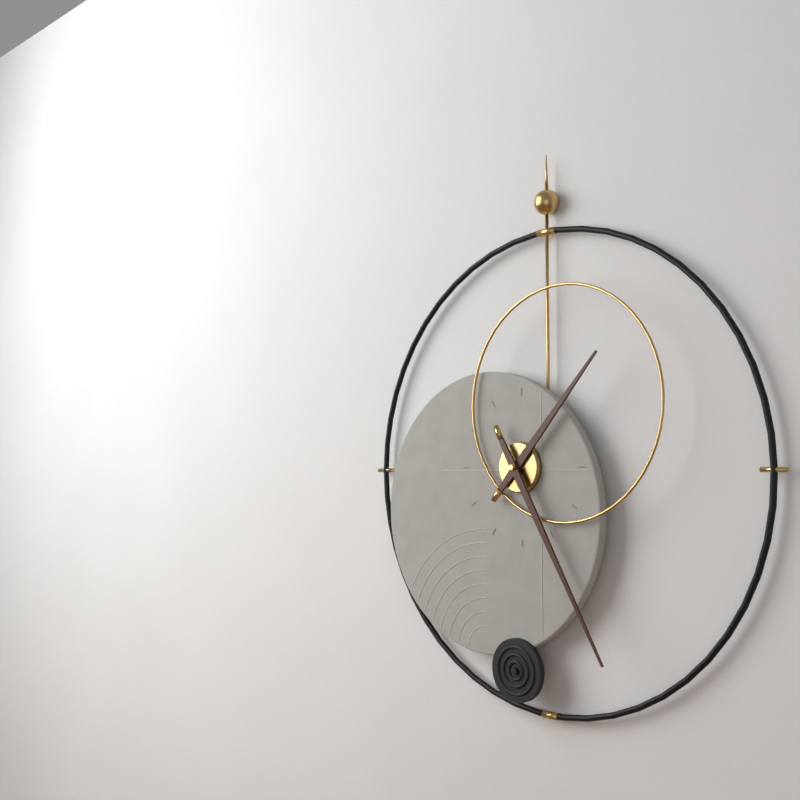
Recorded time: **1:25**
